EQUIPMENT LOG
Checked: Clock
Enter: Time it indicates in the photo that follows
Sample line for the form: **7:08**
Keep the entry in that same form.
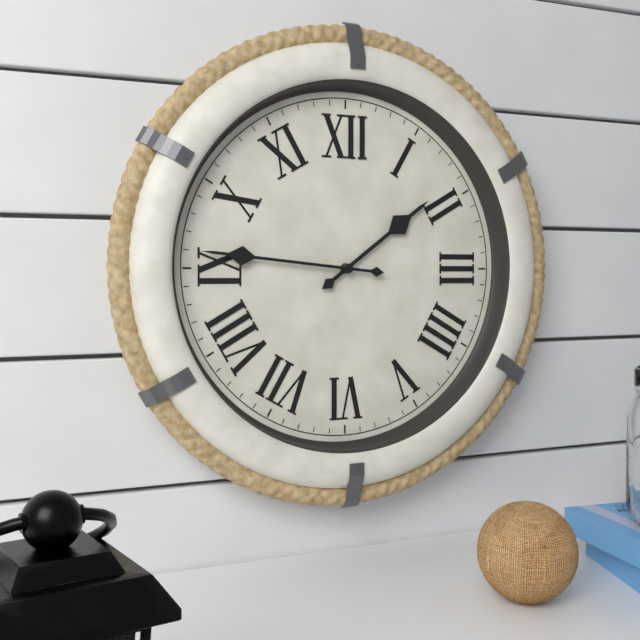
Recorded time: **1:46**
